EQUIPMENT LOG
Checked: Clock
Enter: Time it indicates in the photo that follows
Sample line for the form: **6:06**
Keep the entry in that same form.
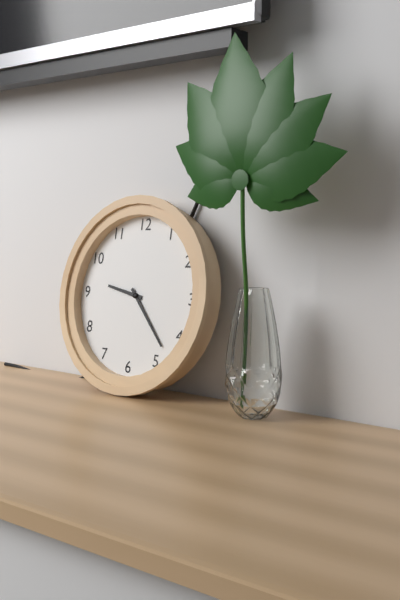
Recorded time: **9:23**
